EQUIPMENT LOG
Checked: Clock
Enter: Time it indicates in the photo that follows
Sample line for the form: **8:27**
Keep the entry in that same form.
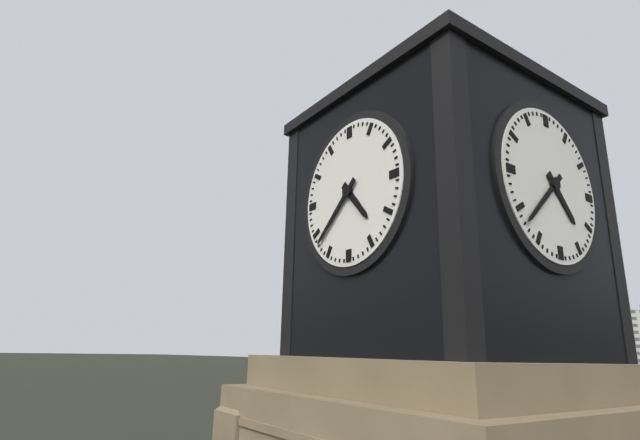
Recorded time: **4:38**
